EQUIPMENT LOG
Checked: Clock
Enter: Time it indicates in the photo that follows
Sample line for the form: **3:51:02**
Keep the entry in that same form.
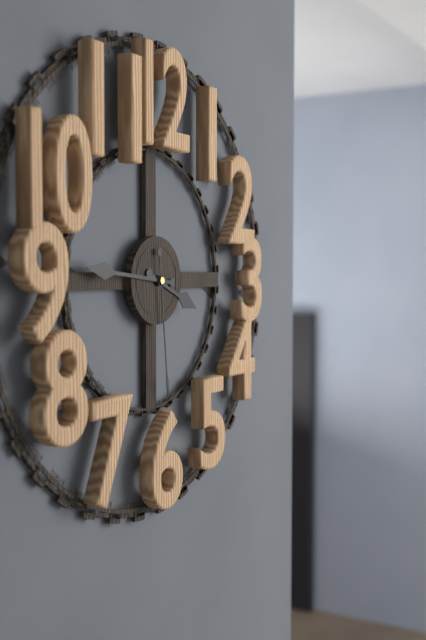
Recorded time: **3:46:29**
